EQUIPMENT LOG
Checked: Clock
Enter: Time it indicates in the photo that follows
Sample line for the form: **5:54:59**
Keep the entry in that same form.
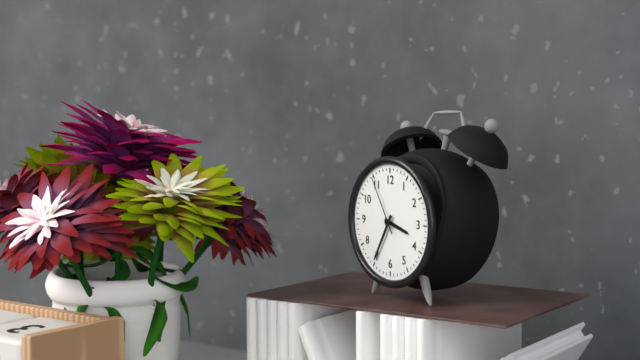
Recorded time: **3:35:55**
